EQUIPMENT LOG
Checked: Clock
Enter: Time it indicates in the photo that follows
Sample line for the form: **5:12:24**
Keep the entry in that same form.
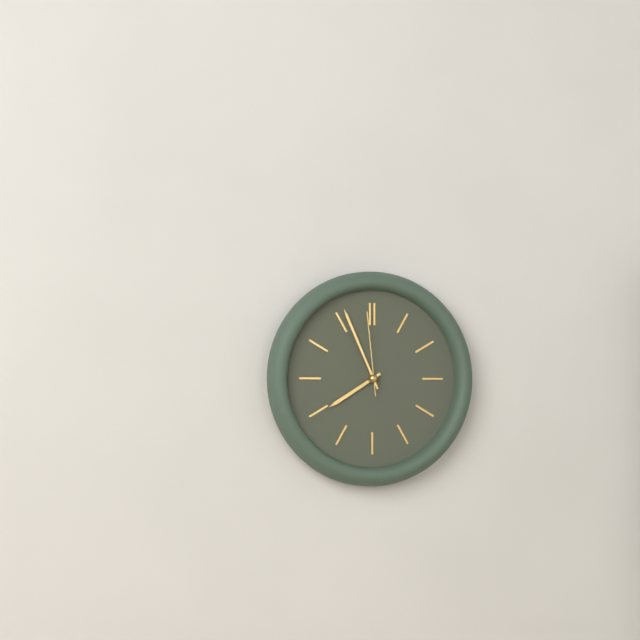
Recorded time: **7:56:59**
